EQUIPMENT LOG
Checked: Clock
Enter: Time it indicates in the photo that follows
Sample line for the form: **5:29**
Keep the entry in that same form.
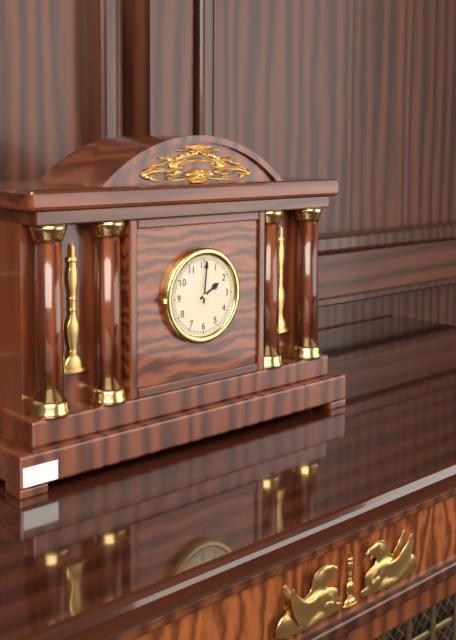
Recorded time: **2:01**
